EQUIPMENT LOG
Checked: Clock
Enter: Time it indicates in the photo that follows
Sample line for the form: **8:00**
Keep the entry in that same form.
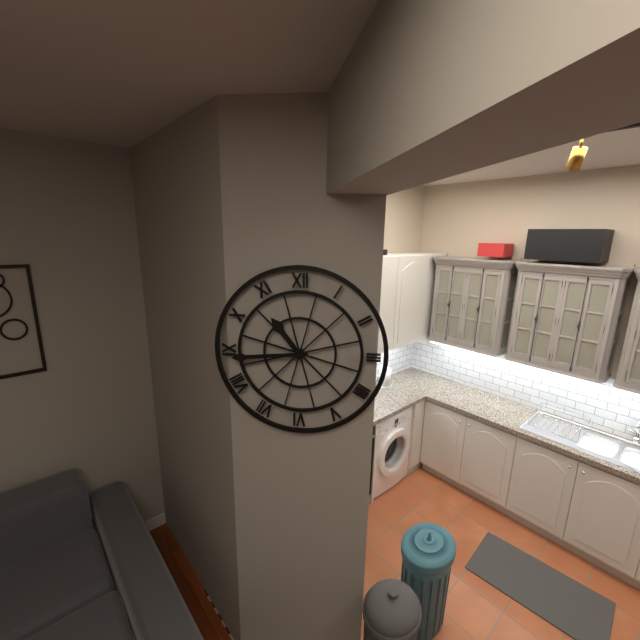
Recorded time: **10:44**
